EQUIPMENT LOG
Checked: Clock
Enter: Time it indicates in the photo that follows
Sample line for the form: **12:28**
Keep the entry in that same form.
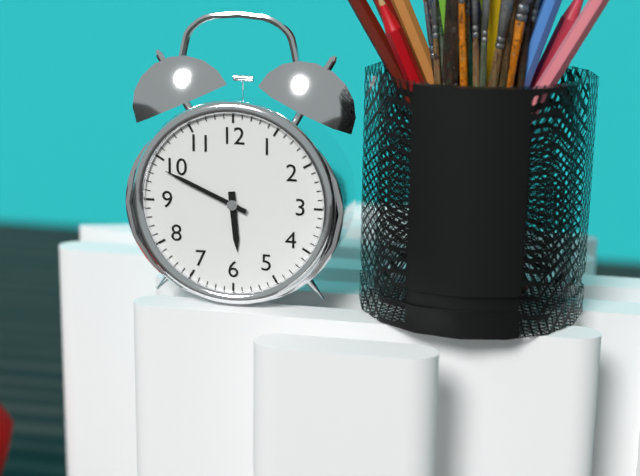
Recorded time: **5:49**
